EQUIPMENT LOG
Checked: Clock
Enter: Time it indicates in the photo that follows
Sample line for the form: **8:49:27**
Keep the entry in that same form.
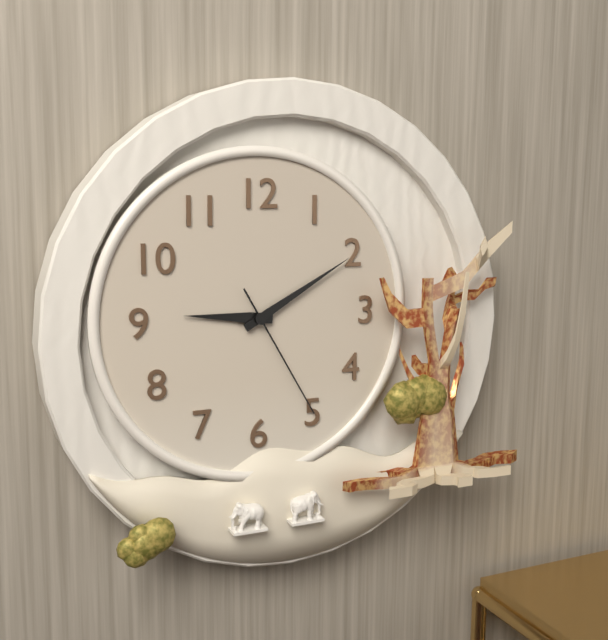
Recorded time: **9:10:25**
